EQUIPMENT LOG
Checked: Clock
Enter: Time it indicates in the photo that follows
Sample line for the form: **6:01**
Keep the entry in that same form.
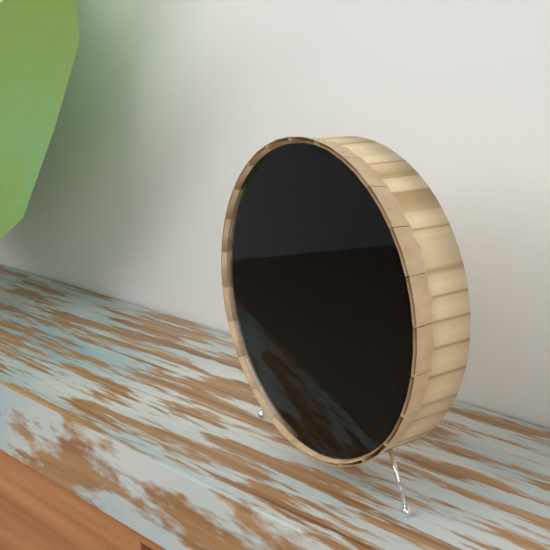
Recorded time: **8:37**
